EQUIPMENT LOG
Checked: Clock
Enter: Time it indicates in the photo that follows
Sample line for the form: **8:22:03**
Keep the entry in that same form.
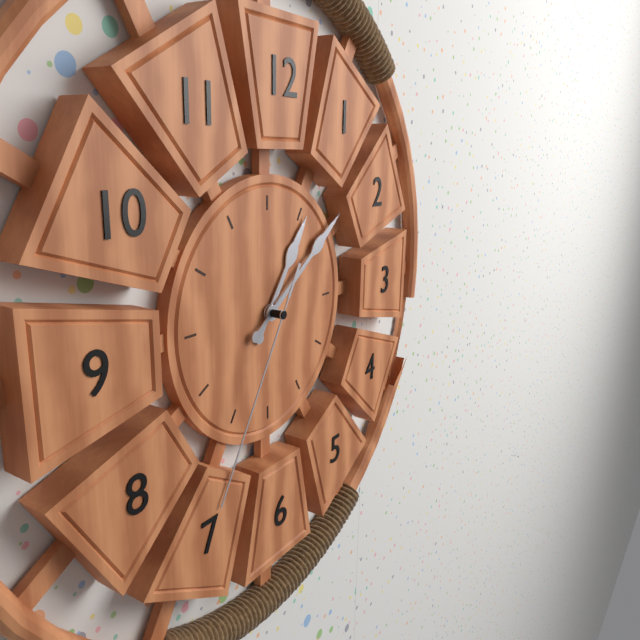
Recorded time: **1:09:35**
